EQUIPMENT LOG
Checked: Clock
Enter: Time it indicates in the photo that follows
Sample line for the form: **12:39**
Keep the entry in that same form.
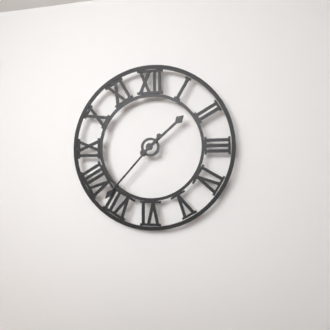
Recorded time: **1:37**
